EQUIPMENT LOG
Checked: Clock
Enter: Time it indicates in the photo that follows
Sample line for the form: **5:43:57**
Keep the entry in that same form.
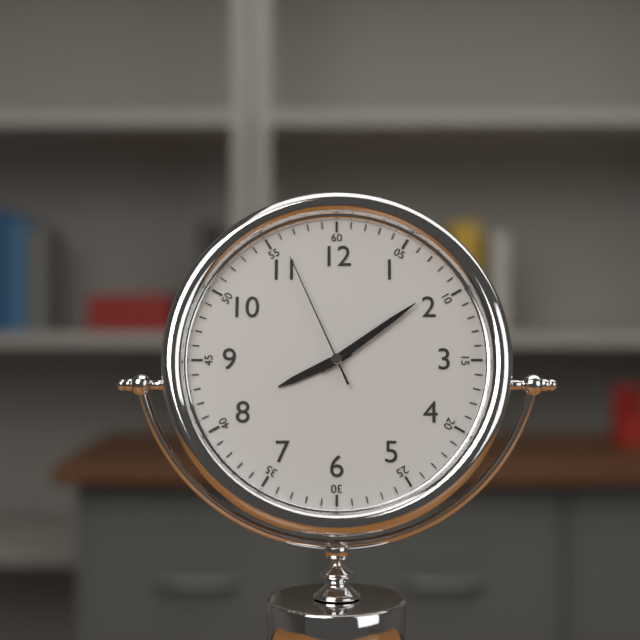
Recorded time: **8:09:56**
